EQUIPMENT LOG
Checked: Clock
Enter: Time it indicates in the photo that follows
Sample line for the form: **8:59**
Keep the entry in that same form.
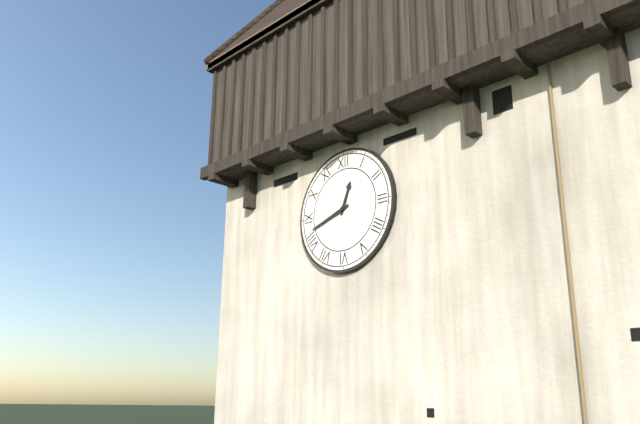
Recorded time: **12:42**
